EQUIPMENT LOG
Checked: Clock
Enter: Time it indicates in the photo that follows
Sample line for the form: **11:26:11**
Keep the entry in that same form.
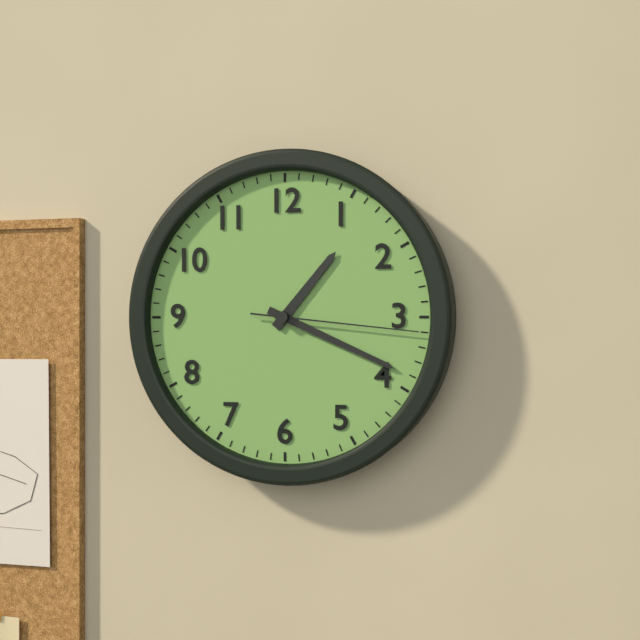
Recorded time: **1:19:16**
